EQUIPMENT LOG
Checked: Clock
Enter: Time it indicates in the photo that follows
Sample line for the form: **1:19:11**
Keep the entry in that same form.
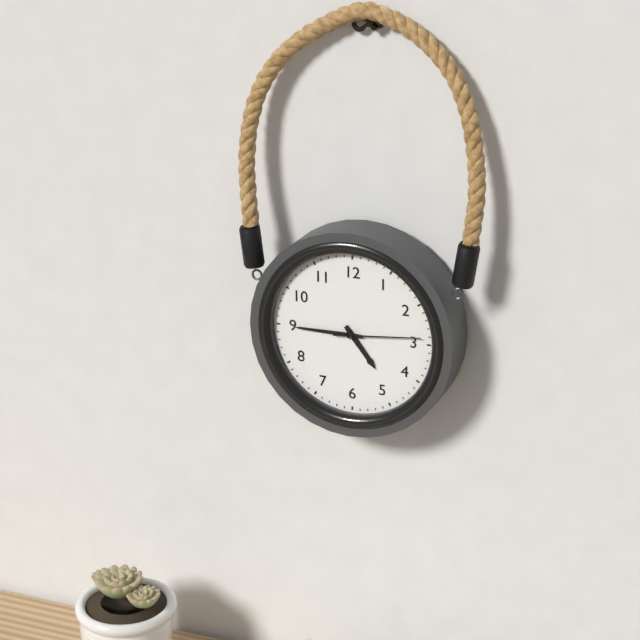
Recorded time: **4:45:14**
